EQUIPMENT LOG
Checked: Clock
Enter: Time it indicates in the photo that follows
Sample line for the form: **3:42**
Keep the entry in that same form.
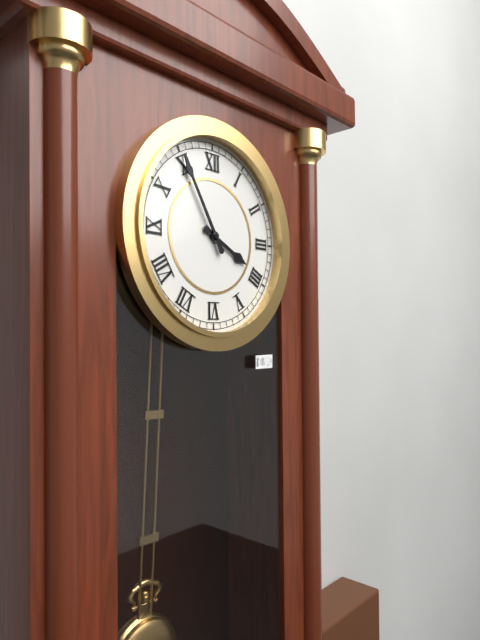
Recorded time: **3:55**
